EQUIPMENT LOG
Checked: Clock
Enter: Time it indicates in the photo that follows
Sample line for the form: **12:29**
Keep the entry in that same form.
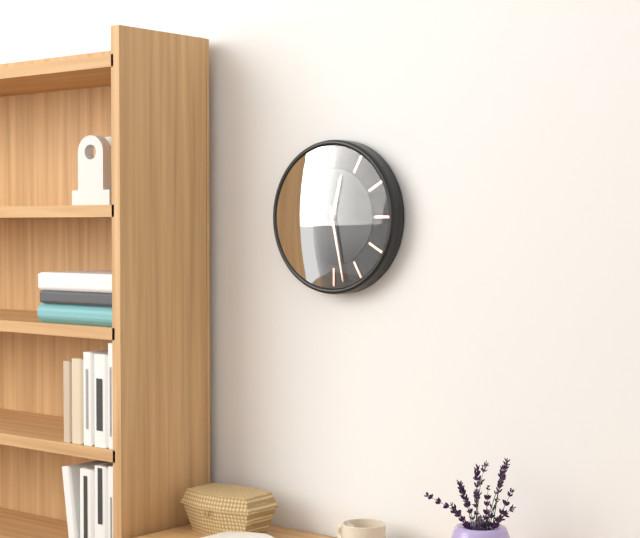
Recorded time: **12:28**
